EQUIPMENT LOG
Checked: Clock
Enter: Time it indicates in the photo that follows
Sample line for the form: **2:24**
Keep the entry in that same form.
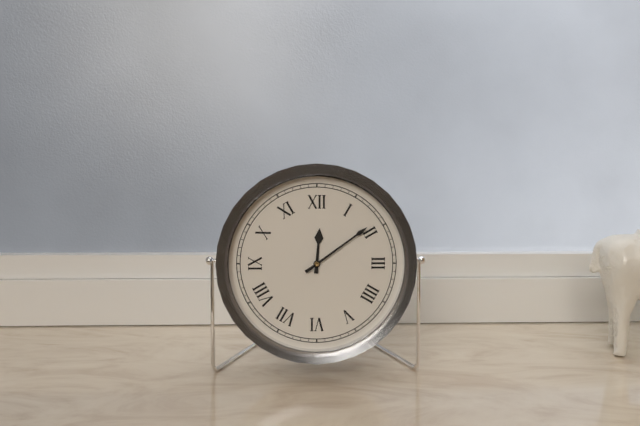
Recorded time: **12:09**
